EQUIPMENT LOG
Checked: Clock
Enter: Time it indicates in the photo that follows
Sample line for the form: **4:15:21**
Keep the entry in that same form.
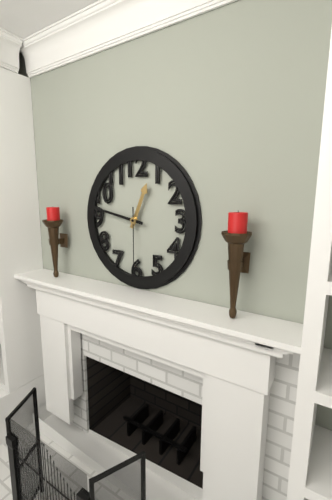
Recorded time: **12:47:30**
